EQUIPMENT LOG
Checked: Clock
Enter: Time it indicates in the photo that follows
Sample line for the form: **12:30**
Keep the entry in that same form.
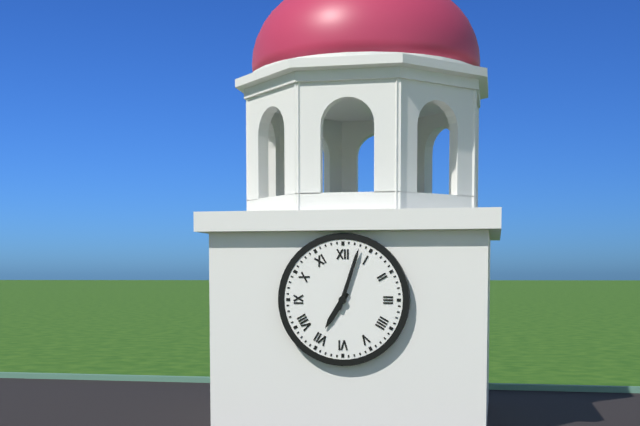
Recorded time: **7:03**
